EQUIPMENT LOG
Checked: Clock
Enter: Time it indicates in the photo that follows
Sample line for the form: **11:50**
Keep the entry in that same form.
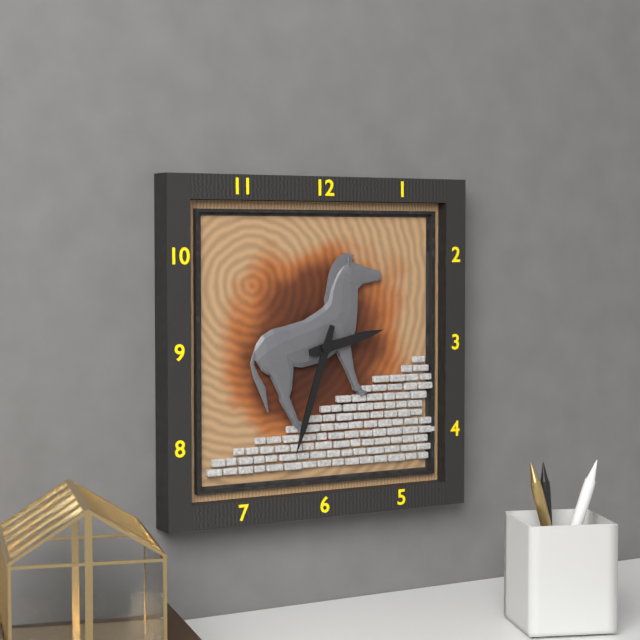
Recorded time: **2:33**
